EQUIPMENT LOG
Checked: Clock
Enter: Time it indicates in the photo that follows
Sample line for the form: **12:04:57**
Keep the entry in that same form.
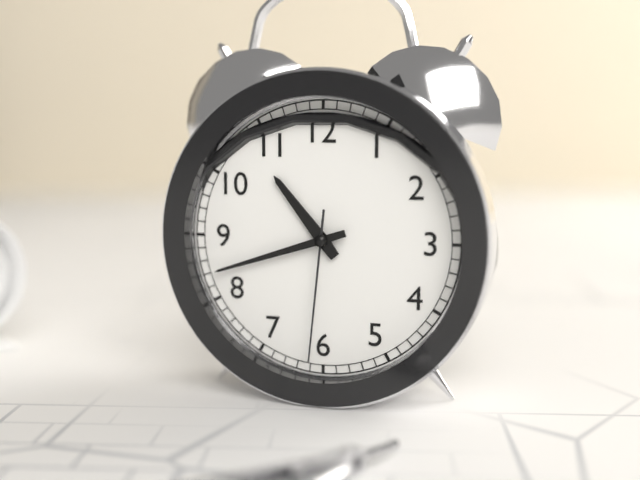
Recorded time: **10:42:31**
